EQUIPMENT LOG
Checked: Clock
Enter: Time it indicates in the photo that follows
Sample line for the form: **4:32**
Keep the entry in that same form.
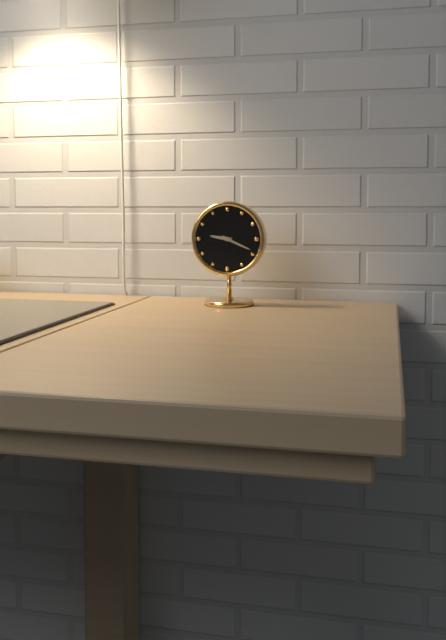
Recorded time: **9:19**
